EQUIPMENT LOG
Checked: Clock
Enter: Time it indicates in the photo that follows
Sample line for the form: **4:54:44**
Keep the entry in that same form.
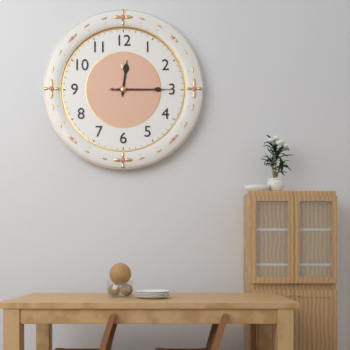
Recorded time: **12:15:15**
